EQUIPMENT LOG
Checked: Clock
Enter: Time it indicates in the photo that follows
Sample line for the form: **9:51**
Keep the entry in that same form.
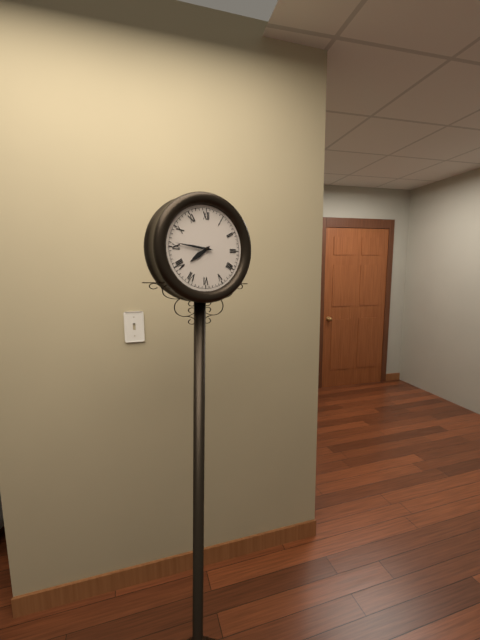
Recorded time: **7:46**
